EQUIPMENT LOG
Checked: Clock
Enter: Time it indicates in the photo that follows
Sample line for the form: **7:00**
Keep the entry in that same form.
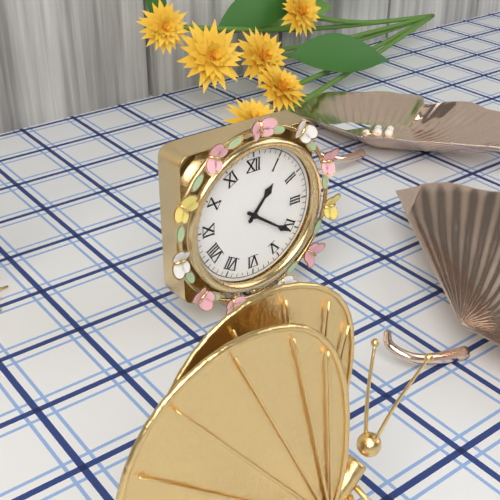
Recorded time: **1:21**
